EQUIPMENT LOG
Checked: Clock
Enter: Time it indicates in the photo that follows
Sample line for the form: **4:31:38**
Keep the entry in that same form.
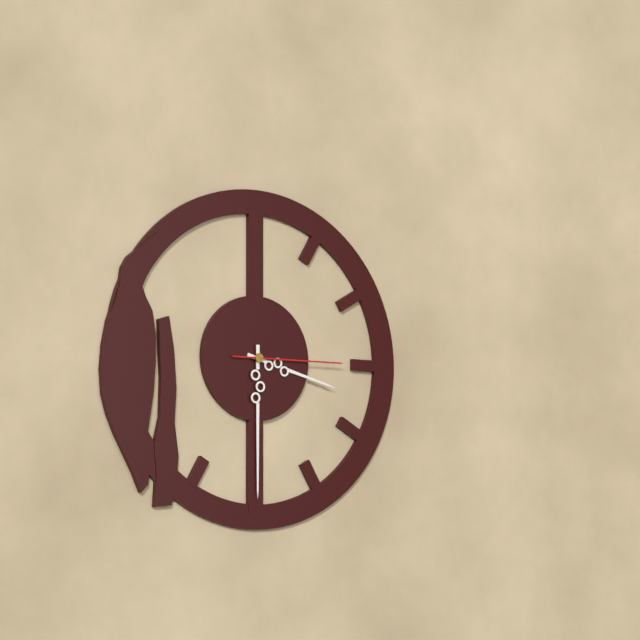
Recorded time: **3:30:15**
